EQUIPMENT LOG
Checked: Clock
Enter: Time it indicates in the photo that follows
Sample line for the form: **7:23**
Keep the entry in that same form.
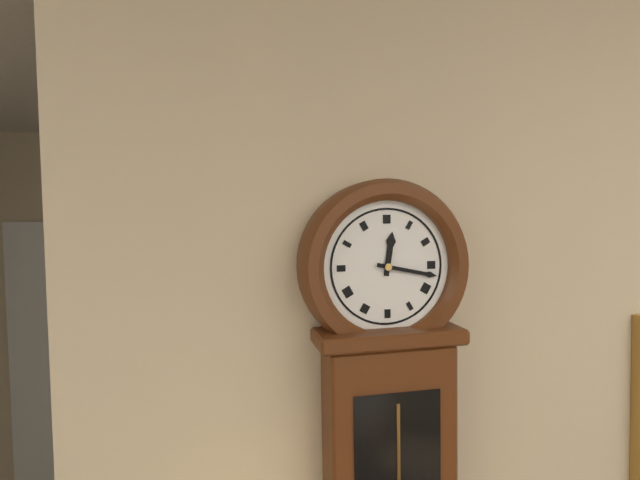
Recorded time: **12:17**
